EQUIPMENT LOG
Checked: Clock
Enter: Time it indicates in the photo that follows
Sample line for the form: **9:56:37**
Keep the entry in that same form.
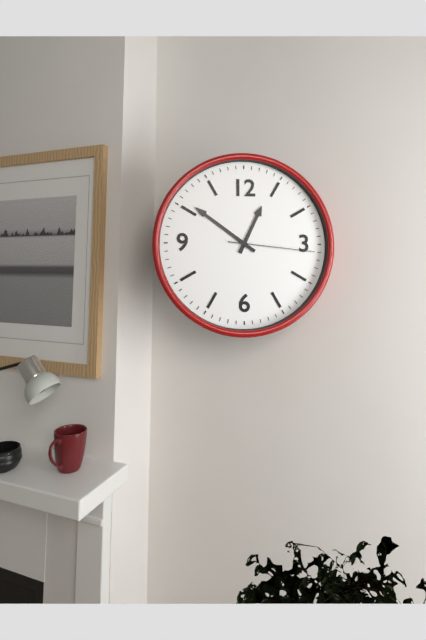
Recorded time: **12:51:16**
